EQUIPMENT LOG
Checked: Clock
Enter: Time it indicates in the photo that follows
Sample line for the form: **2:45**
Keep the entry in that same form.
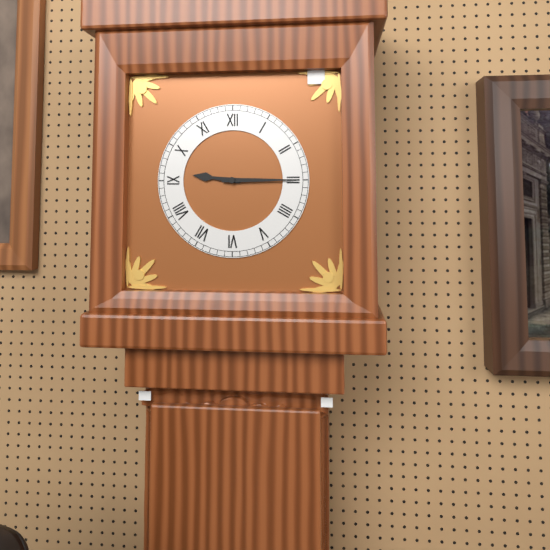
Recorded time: **9:15**
